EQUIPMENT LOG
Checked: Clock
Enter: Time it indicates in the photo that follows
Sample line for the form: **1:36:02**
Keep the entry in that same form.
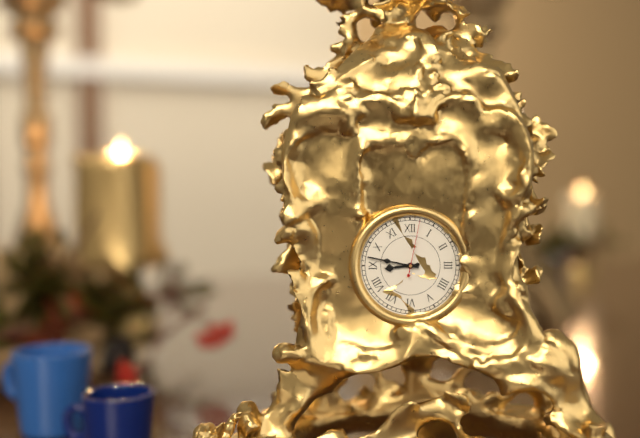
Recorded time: **8:47:02**
